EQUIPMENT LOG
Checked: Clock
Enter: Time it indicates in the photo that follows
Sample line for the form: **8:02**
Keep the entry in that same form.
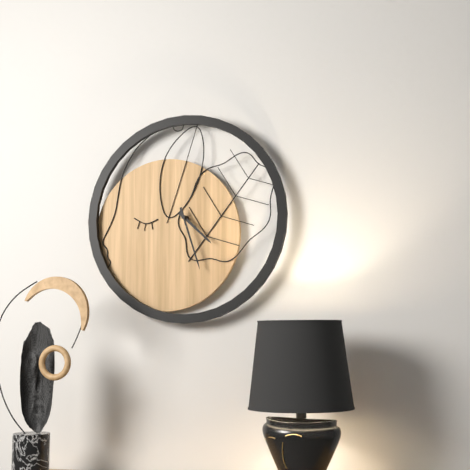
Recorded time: **4:27**
